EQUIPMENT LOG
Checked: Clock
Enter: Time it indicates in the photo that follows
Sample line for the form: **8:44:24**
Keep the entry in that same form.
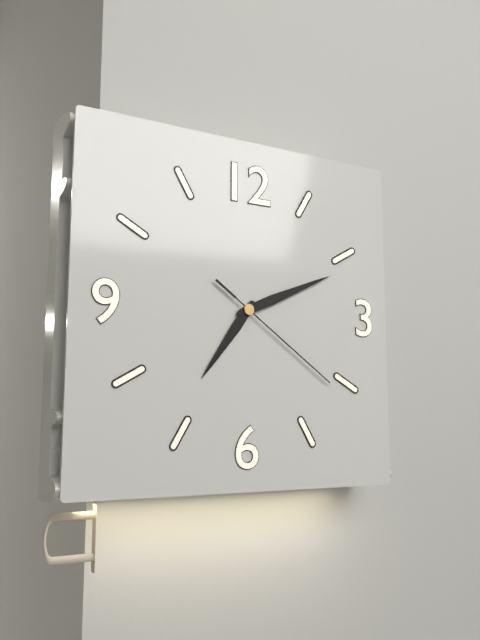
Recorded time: **7:11:21**
